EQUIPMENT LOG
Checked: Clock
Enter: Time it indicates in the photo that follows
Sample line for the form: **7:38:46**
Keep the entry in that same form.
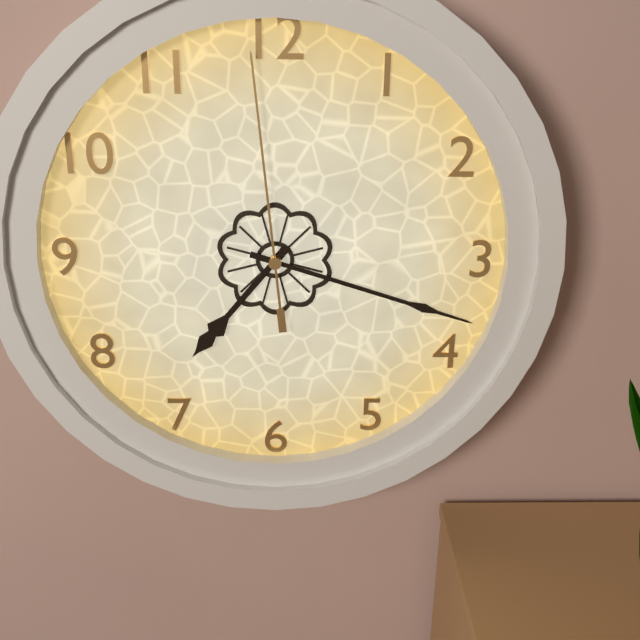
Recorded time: **7:18:59**
